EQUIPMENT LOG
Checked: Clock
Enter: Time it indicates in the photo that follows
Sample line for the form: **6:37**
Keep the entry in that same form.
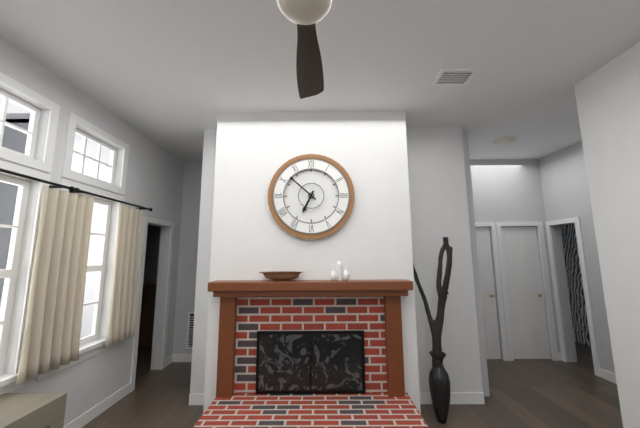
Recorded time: **6:52**
